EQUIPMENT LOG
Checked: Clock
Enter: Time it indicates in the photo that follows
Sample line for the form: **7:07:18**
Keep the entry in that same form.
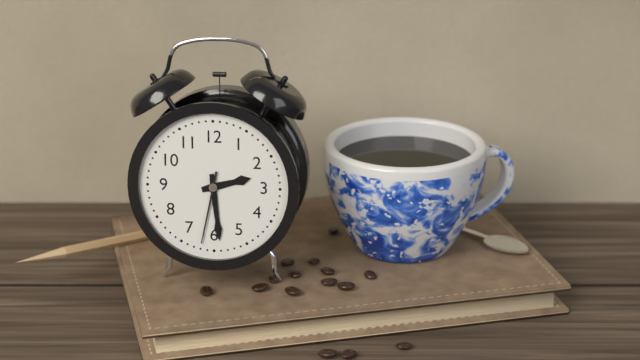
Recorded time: **2:29:32**
